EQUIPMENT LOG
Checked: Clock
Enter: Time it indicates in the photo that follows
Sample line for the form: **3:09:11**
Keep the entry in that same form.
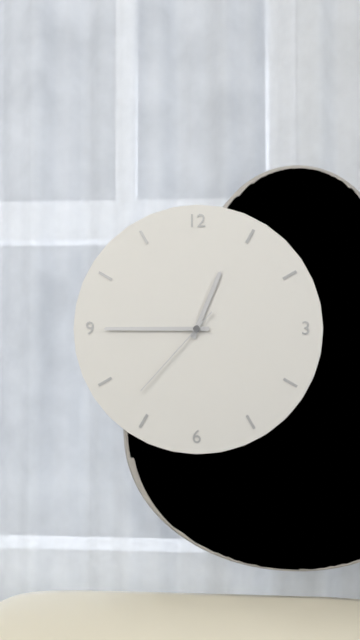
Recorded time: **12:45:37**
